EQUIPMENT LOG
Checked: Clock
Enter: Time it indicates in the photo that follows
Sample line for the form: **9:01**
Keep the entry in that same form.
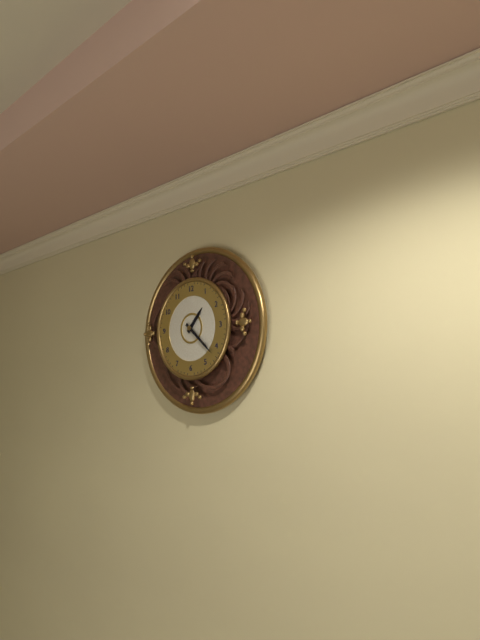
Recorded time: **1:22**
